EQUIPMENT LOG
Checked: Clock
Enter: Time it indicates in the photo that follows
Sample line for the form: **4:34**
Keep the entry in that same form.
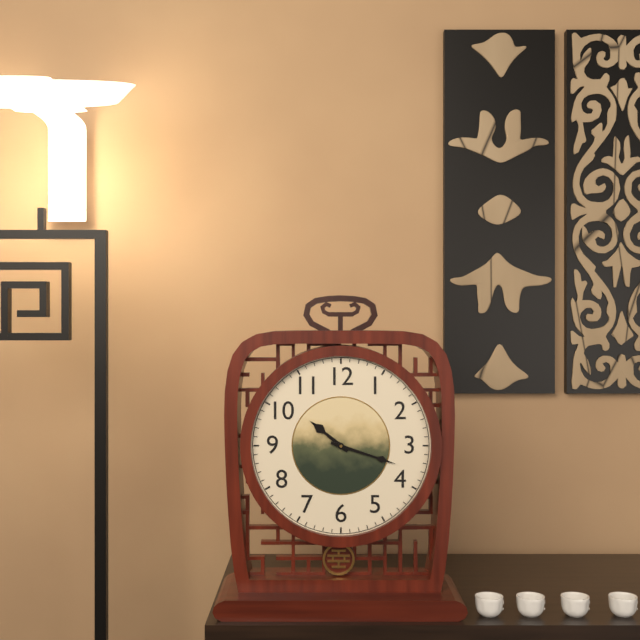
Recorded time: **10:18**
